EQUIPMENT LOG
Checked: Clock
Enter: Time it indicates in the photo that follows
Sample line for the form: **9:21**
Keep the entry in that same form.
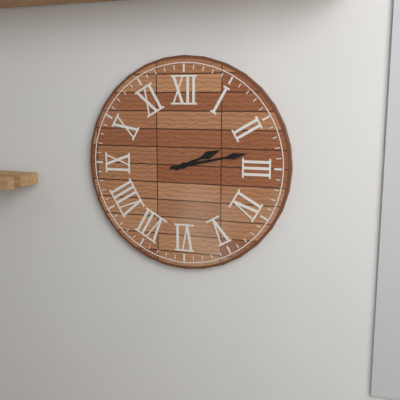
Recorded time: **2:13**
